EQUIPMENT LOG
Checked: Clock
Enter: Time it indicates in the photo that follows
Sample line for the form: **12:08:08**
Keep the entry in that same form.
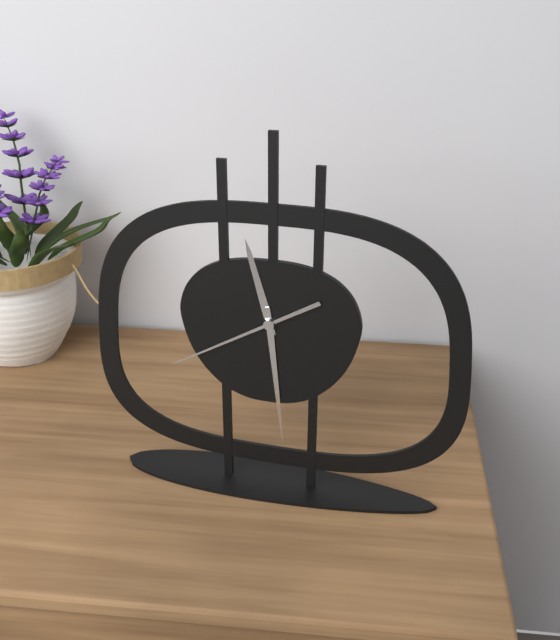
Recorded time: **11:29:40**
